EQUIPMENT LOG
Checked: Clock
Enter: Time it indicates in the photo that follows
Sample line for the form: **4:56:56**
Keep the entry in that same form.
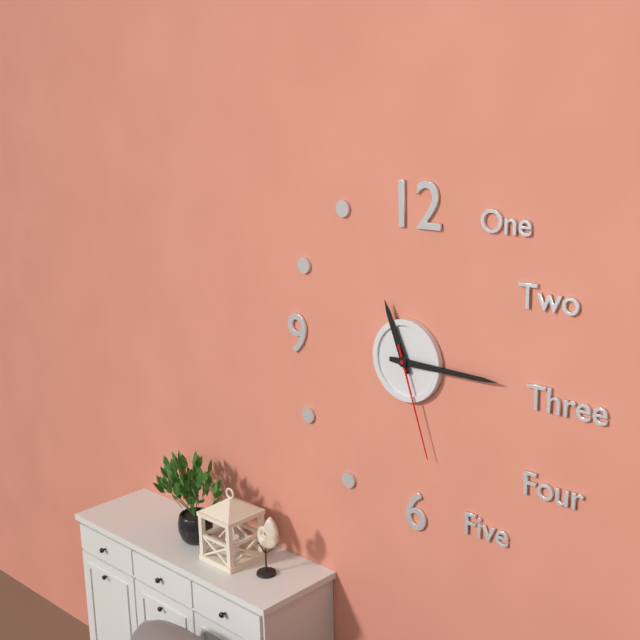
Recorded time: **11:15:27**
